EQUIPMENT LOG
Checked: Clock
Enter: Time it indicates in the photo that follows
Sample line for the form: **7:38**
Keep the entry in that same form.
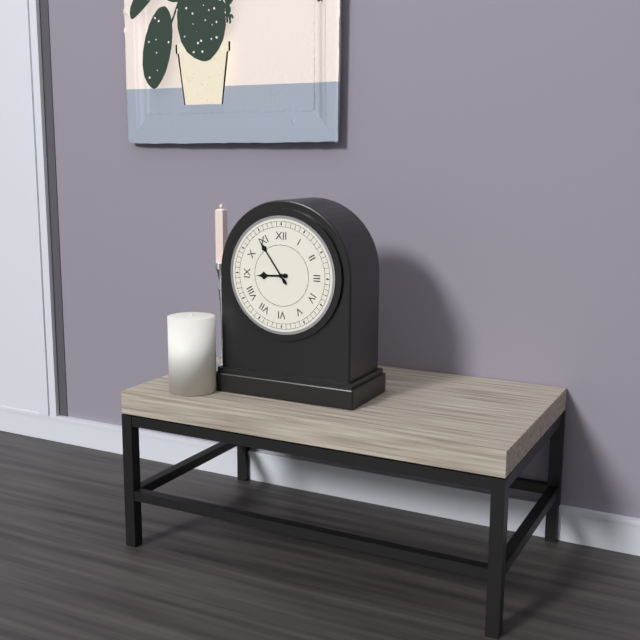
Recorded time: **8:54**
